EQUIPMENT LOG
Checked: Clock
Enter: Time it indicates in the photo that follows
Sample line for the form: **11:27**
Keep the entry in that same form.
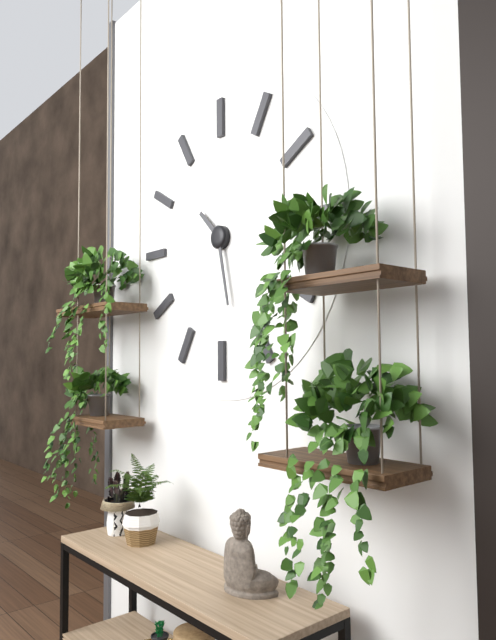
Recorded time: **10:28**
